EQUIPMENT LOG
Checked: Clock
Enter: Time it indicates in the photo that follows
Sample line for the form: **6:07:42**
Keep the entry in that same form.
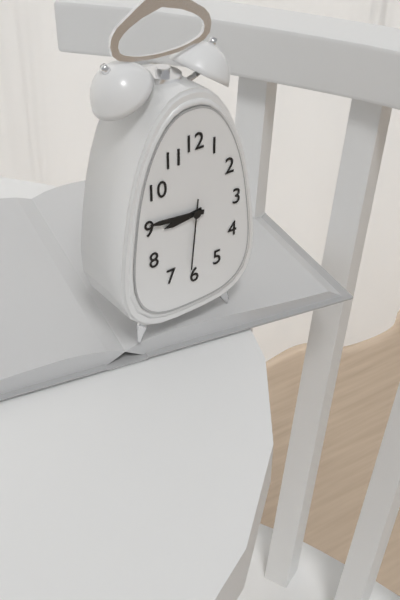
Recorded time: **8:46:31**
